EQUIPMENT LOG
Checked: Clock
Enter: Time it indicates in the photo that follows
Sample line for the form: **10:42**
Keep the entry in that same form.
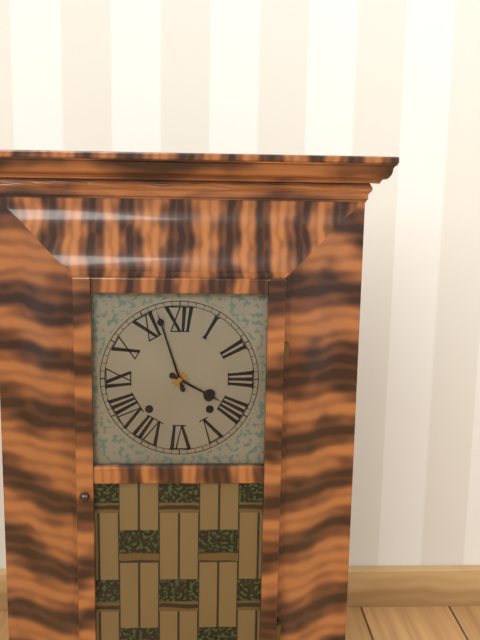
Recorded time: **3:57**
